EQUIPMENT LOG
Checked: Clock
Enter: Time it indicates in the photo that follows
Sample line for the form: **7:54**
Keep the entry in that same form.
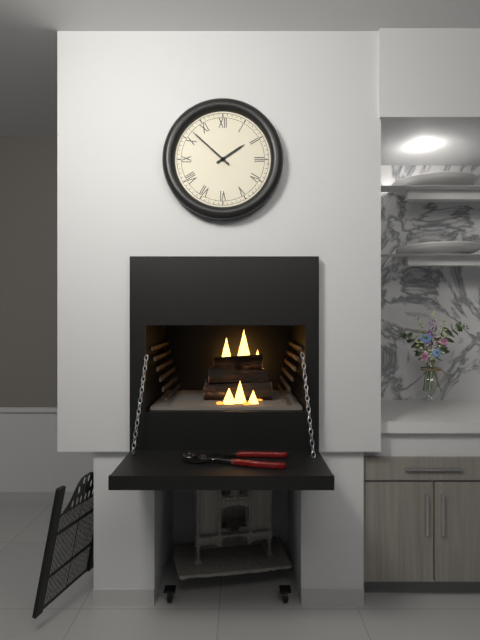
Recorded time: **1:52**
